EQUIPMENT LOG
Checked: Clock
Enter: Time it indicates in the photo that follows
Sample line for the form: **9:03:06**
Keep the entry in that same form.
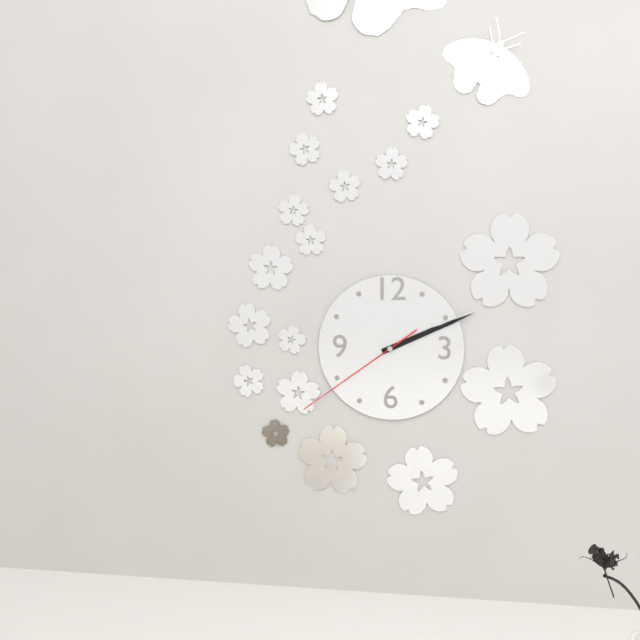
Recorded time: **2:11:39**
